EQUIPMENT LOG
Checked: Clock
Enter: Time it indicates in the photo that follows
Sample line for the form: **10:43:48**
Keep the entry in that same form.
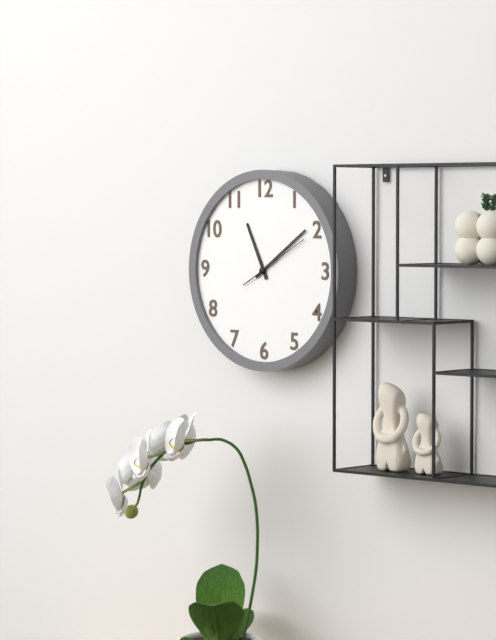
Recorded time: **11:09:10**
